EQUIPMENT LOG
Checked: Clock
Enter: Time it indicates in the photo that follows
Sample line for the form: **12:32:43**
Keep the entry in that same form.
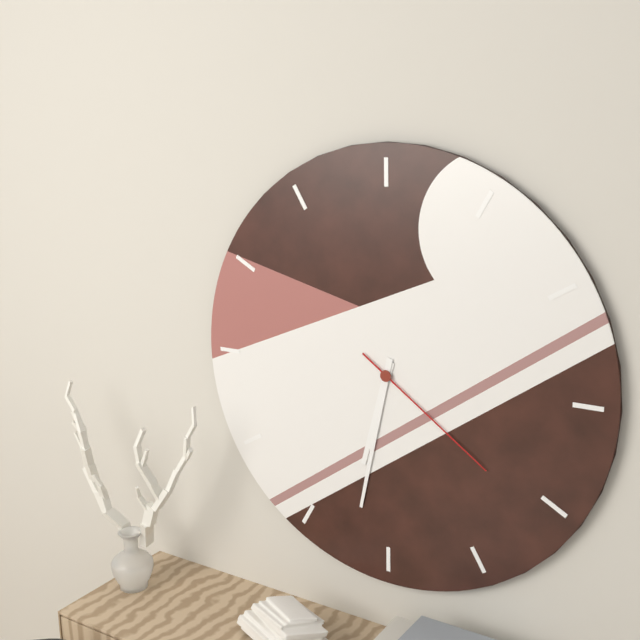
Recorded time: **6:32:21**
